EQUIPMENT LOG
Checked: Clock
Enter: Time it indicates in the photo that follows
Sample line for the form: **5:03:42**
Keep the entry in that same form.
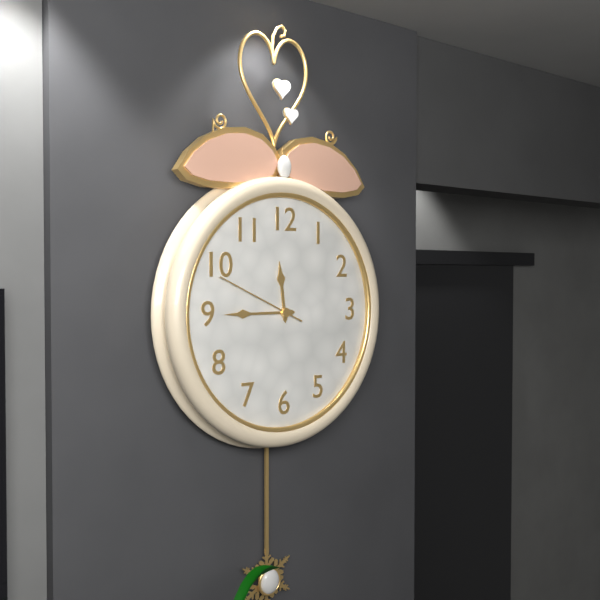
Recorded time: **11:45:49**
